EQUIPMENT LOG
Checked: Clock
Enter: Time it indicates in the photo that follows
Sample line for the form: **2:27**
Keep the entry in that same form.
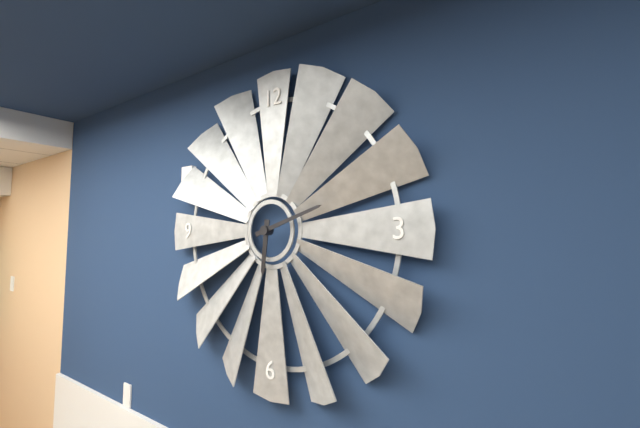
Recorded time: **6:12**
